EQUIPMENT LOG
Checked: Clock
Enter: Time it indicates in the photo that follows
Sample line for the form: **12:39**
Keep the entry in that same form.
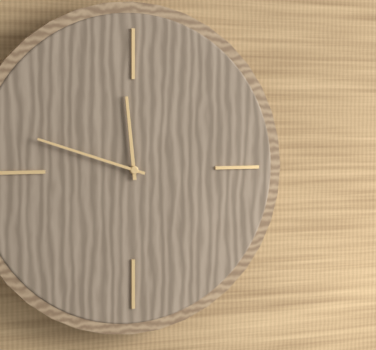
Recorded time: **11:48**
